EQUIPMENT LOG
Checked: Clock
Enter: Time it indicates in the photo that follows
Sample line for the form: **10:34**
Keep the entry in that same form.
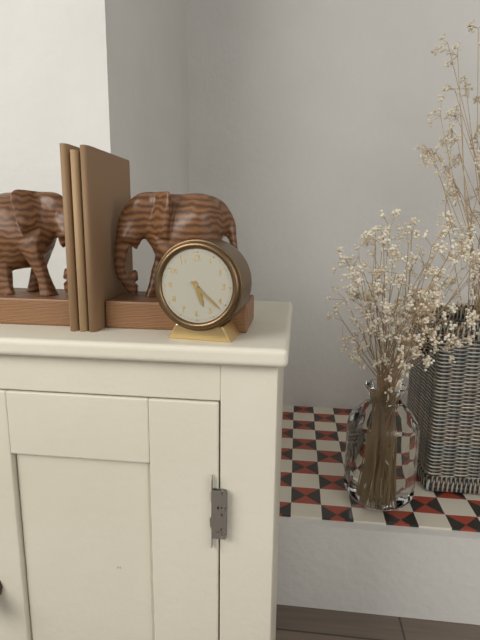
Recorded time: **5:22**
